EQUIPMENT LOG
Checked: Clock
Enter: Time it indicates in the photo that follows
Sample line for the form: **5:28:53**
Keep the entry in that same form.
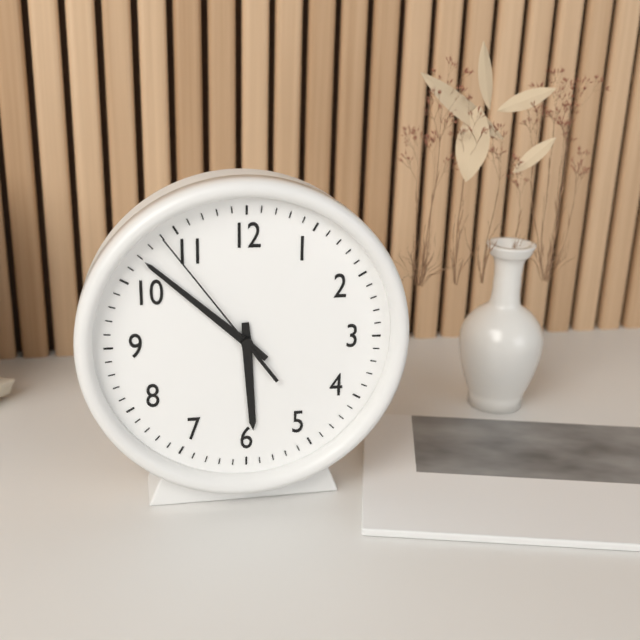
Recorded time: **5:52:54**
